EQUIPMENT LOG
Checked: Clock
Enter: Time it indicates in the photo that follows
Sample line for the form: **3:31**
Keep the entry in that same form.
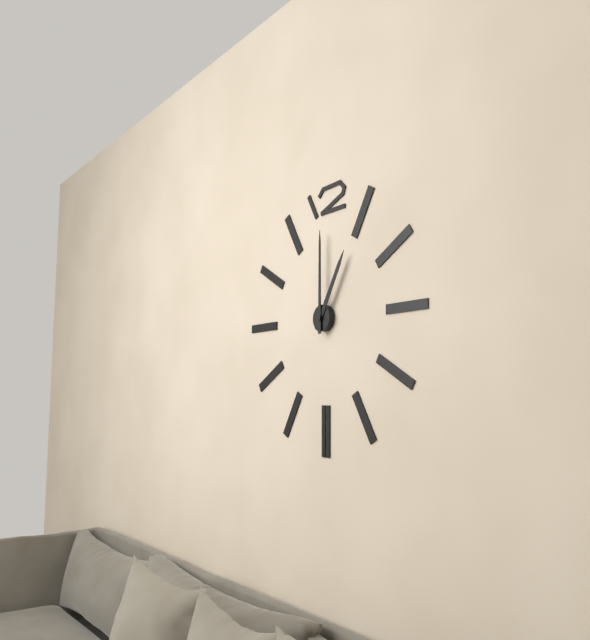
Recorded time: **1:00**
